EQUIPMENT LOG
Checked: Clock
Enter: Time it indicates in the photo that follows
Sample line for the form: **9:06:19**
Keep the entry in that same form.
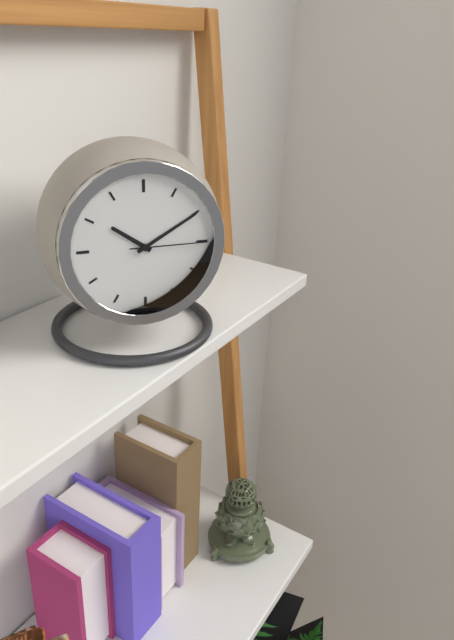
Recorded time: **10:10:15**
